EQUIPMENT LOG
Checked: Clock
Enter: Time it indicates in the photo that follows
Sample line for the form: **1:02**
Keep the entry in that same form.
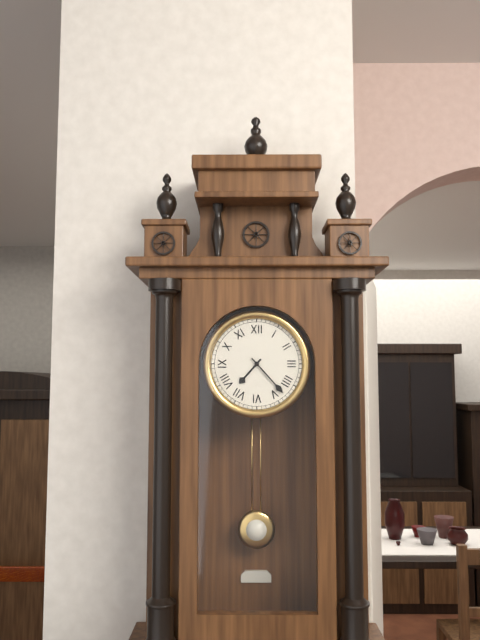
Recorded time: **7:23**
